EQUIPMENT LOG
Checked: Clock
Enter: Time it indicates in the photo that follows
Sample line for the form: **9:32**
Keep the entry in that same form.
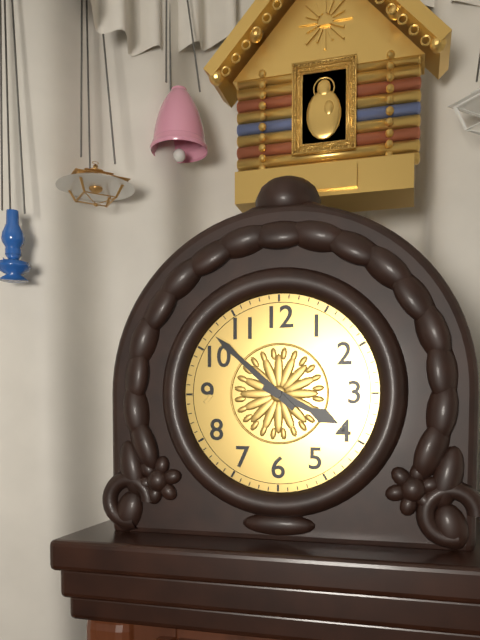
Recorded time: **3:52**
